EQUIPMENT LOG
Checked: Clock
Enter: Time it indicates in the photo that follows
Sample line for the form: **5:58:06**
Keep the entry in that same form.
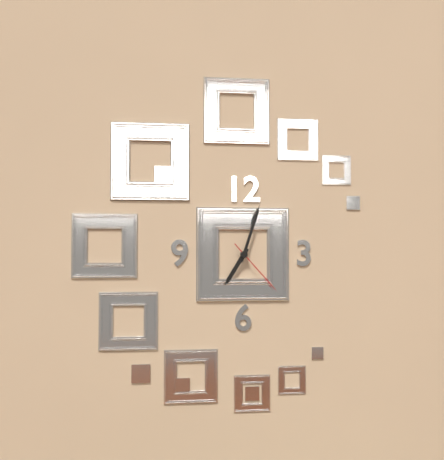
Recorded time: **7:03:23**
